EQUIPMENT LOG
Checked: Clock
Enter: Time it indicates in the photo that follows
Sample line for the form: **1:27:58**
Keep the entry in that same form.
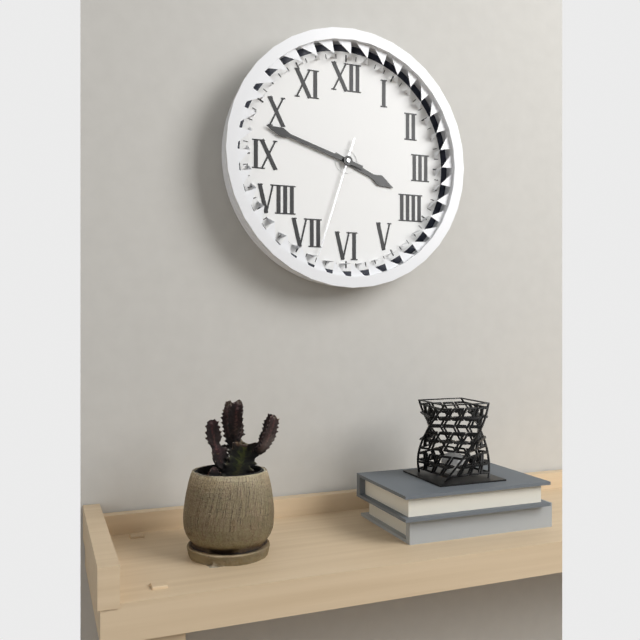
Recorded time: **3:48:33**
